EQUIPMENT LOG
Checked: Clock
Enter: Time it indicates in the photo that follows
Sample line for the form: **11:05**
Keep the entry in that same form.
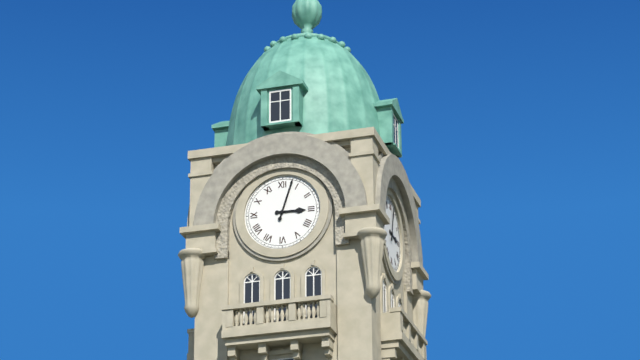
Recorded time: **3:03**
